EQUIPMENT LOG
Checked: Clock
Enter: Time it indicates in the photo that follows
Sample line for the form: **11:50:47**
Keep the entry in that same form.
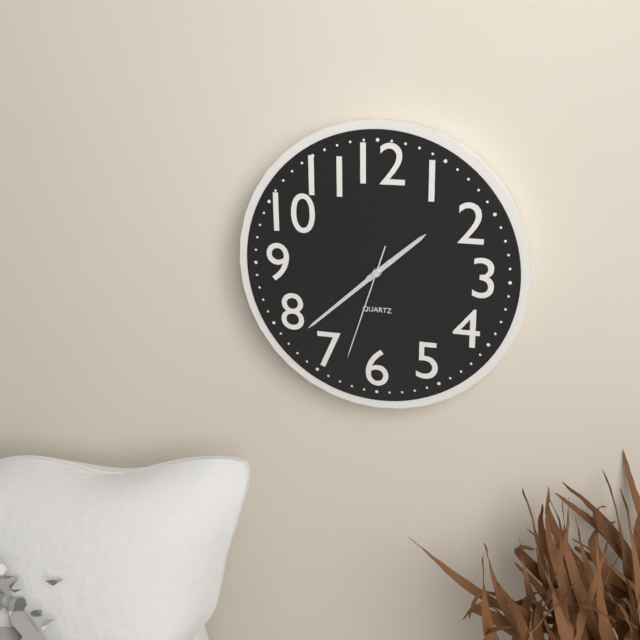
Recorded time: **1:38:33**
